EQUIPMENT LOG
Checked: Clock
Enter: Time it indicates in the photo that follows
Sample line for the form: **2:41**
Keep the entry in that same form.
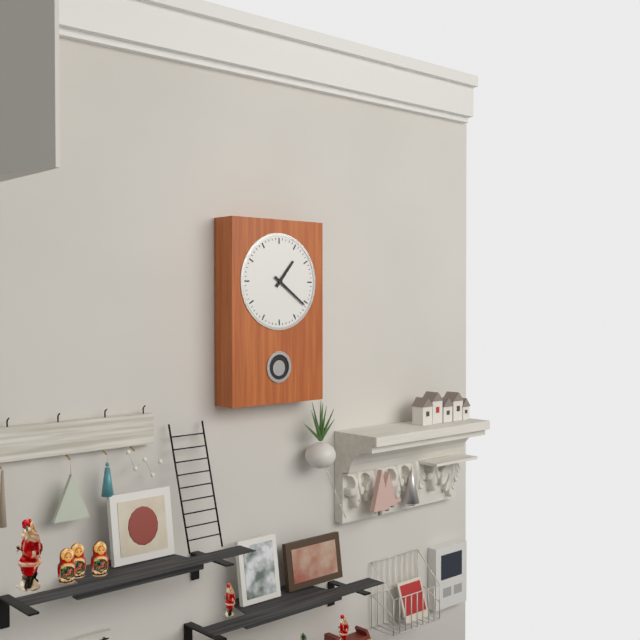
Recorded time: **1:21**
